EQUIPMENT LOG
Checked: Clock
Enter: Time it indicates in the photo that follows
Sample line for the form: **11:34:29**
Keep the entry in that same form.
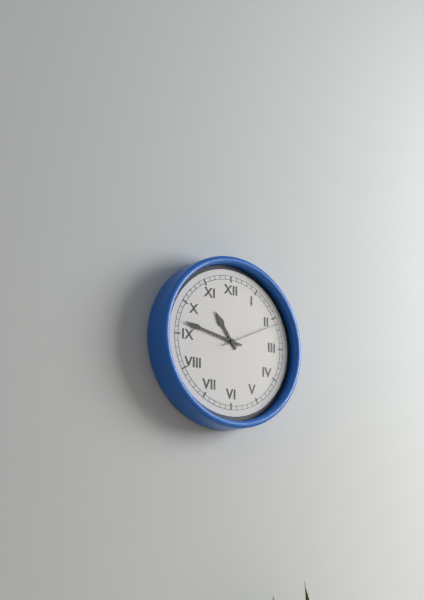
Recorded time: **10:47:11**
